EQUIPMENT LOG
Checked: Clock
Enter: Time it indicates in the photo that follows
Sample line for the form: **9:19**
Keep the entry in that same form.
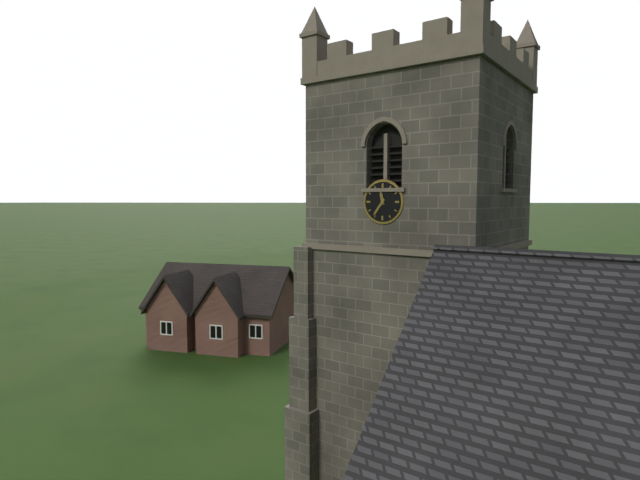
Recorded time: **11:36**
